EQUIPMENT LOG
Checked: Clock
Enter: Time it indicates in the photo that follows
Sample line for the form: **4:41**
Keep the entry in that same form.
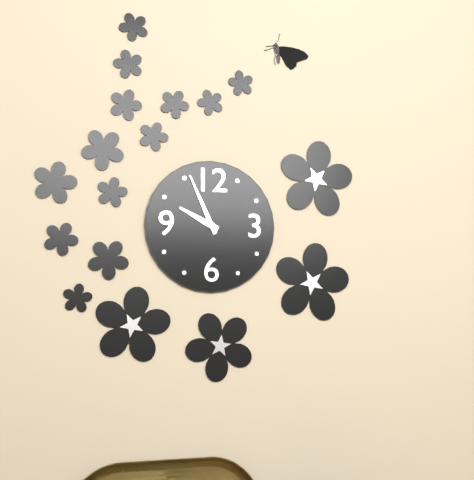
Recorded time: **9:56**
